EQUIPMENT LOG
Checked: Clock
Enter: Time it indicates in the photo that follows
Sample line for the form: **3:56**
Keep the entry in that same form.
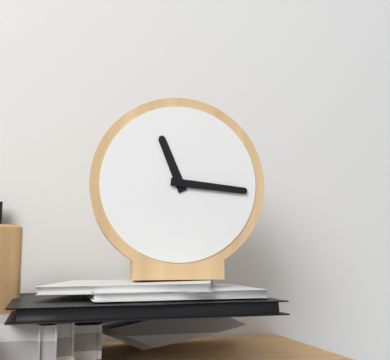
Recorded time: **11:16**
